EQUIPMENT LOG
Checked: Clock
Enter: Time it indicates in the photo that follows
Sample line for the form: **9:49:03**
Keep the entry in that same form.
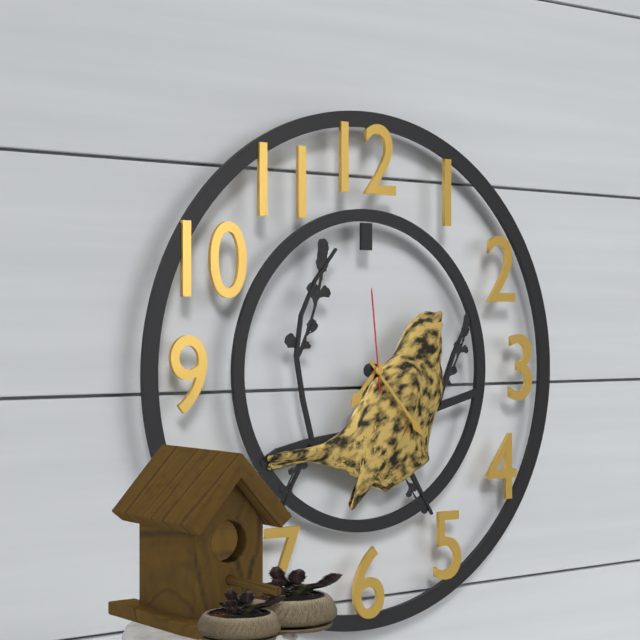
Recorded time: **7:23:59**
